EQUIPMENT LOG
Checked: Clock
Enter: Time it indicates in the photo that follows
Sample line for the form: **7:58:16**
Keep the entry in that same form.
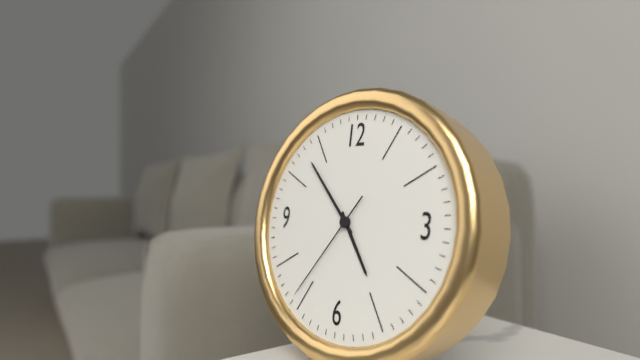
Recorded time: **4:53:36**
